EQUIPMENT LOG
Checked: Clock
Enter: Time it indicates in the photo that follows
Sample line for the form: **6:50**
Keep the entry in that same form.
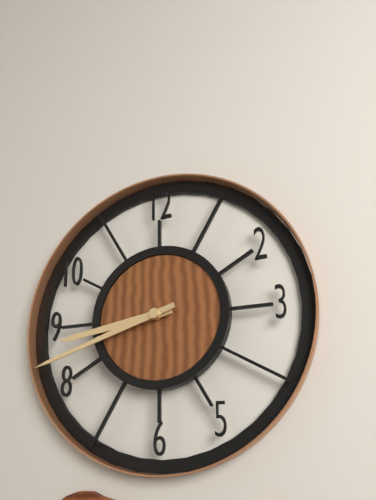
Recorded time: **8:42**
